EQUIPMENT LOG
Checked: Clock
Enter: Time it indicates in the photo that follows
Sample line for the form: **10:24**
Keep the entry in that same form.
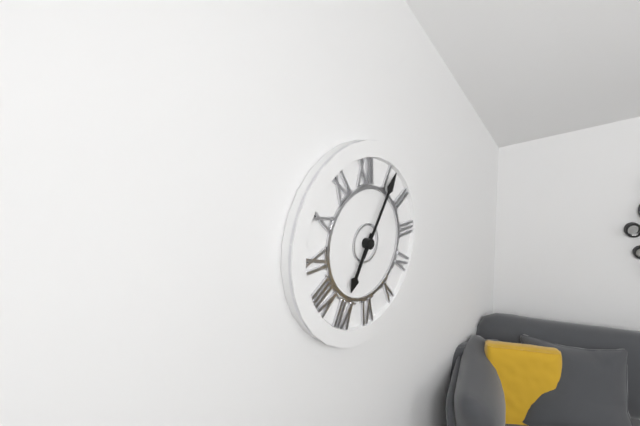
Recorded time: **7:06**
